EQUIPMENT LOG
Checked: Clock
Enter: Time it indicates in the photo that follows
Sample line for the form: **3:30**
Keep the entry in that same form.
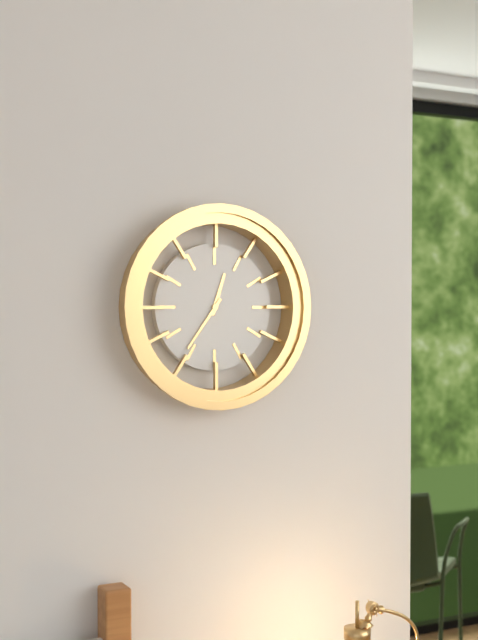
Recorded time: **12:36**
